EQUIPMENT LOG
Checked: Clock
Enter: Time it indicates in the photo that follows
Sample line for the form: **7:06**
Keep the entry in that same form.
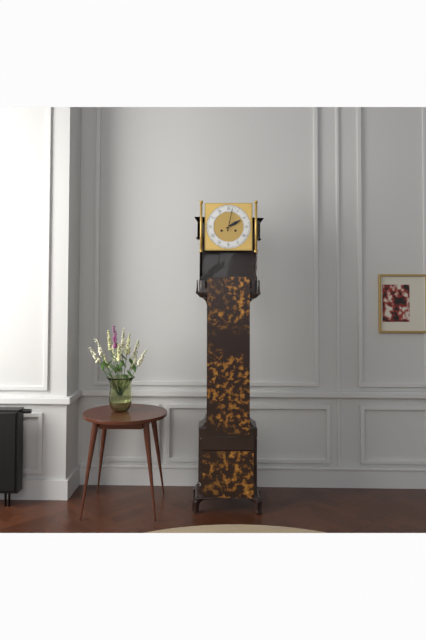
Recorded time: **2:02**
